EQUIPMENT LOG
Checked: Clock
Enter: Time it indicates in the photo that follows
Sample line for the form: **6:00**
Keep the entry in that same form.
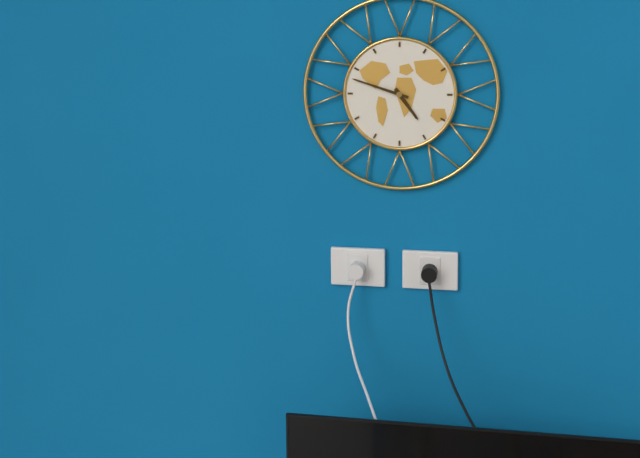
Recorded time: **4:48**
